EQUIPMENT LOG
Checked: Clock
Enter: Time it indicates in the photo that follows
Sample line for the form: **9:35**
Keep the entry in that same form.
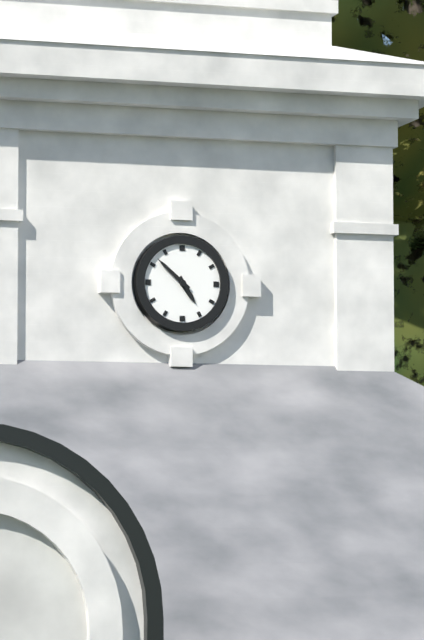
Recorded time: **4:52**
